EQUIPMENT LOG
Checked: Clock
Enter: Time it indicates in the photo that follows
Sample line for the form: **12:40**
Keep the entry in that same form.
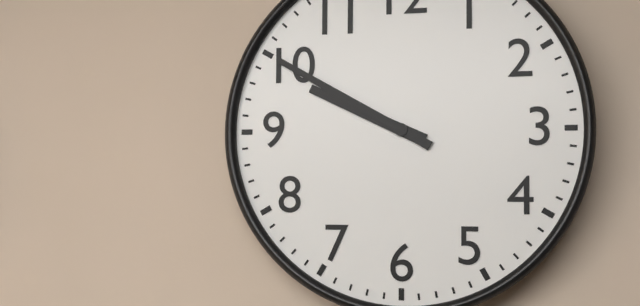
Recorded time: **9:50**
